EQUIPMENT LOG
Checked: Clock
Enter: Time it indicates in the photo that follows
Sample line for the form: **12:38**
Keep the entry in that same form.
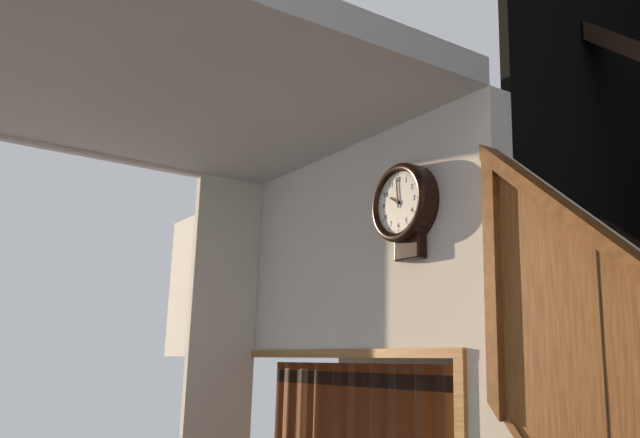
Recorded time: **9:59**
